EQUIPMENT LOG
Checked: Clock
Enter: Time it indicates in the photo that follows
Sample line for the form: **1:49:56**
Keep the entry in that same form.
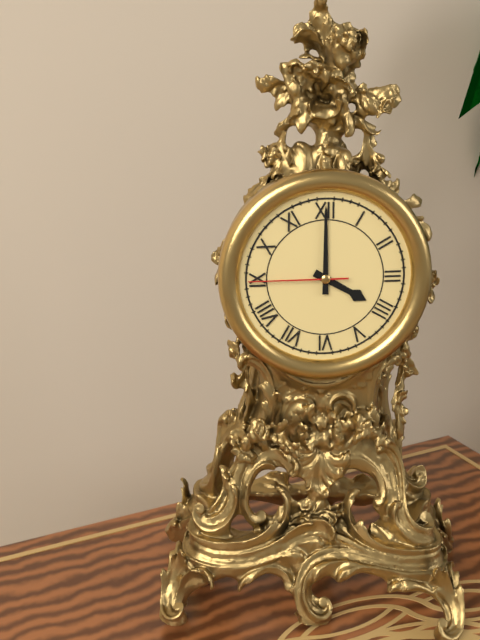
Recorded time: **4:00:45**
